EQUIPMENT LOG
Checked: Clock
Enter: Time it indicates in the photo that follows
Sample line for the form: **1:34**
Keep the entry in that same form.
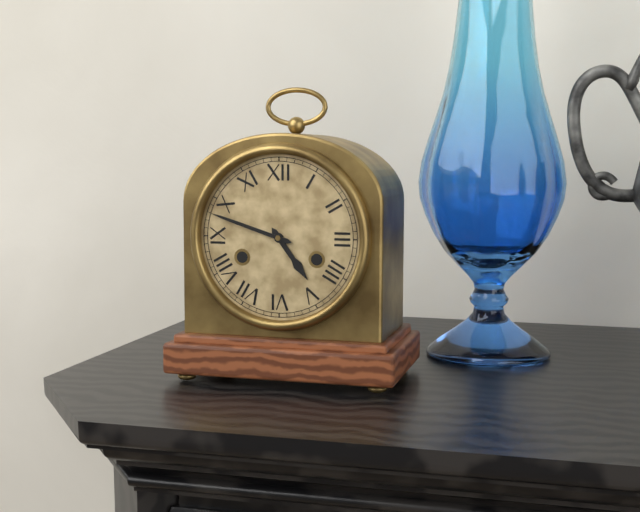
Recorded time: **4:48**
